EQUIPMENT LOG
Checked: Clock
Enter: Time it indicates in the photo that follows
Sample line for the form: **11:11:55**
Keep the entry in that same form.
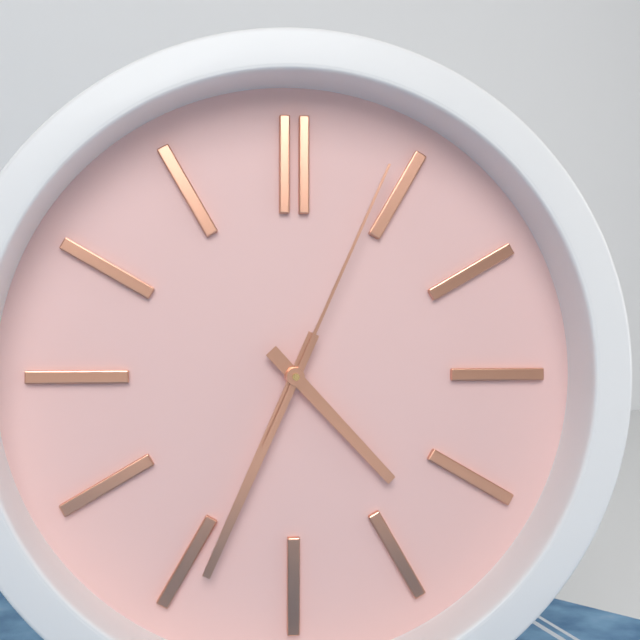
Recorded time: **4:34:04**
